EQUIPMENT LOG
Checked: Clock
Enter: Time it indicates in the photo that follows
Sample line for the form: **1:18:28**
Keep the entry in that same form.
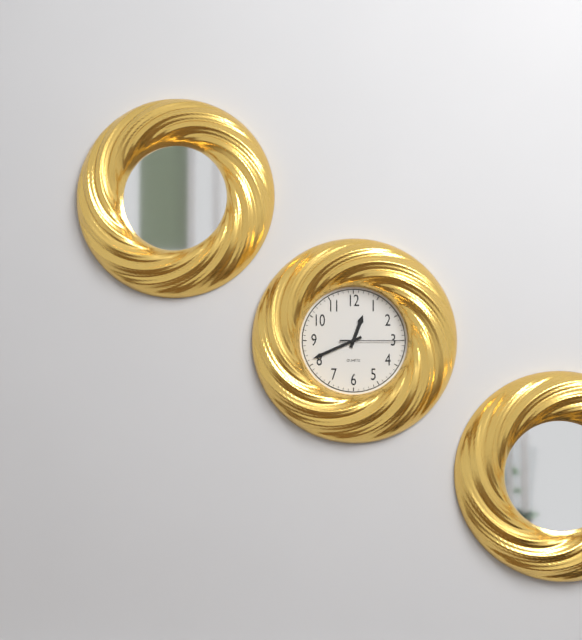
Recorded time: **12:41:15**
